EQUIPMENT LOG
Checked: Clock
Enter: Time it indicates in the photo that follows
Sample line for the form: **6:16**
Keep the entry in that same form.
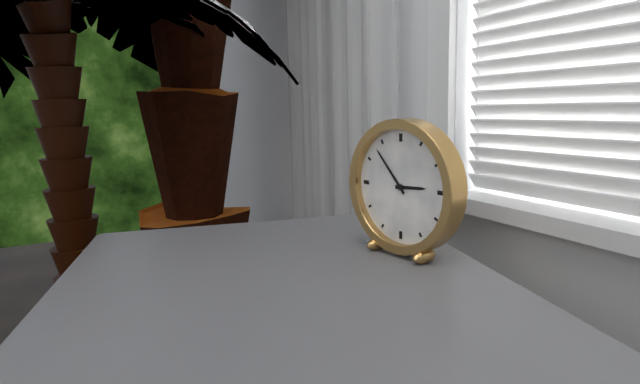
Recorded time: **2:53**
